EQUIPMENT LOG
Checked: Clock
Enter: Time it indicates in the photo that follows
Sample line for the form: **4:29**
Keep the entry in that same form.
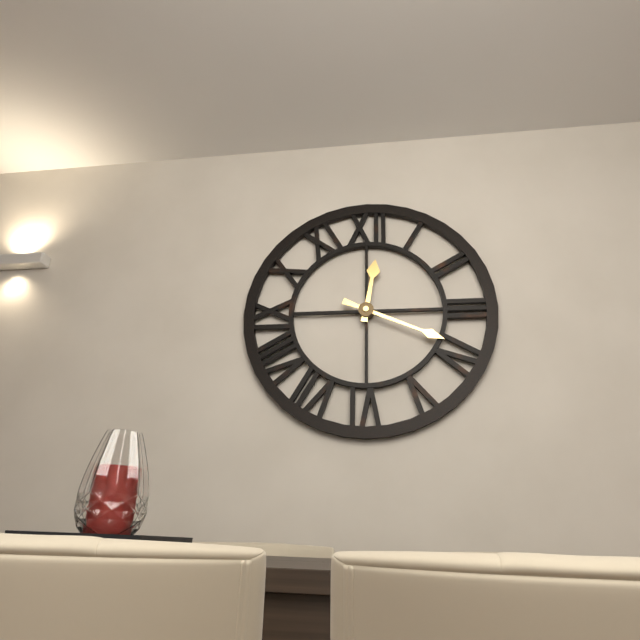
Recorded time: **12:19**
